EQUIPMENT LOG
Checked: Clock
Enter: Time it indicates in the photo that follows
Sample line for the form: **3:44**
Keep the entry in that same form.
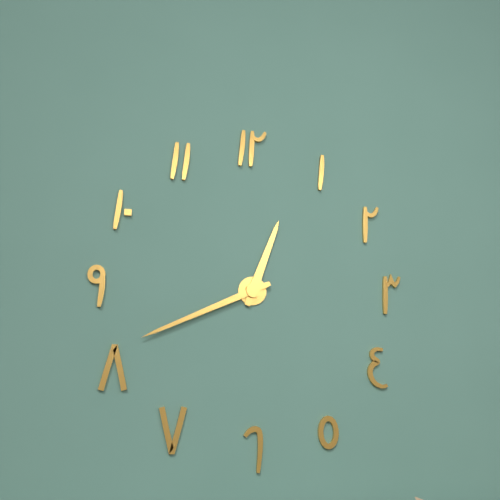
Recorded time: **12:41**
